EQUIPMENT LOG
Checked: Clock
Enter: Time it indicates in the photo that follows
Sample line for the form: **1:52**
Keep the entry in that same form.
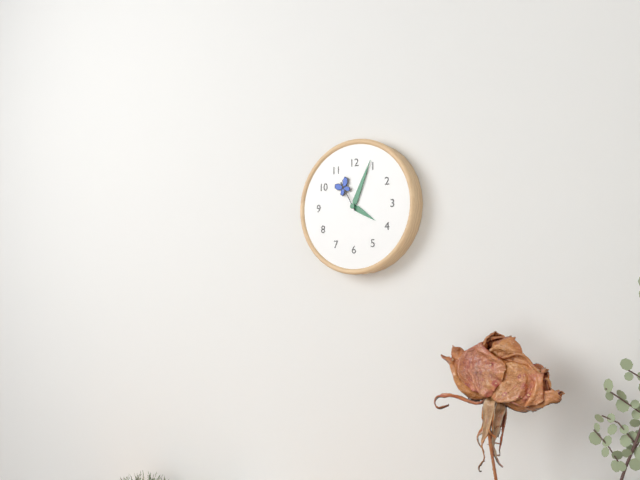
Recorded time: **4:04**
